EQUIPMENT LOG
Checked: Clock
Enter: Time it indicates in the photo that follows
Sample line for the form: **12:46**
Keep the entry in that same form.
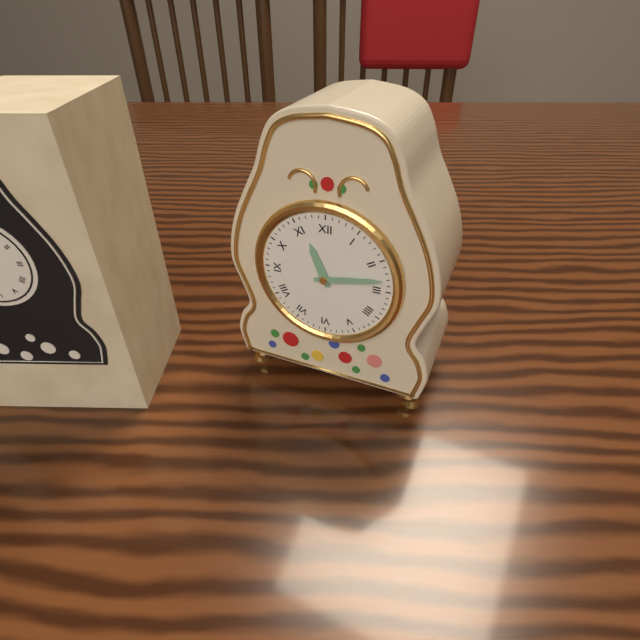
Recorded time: **11:13**
